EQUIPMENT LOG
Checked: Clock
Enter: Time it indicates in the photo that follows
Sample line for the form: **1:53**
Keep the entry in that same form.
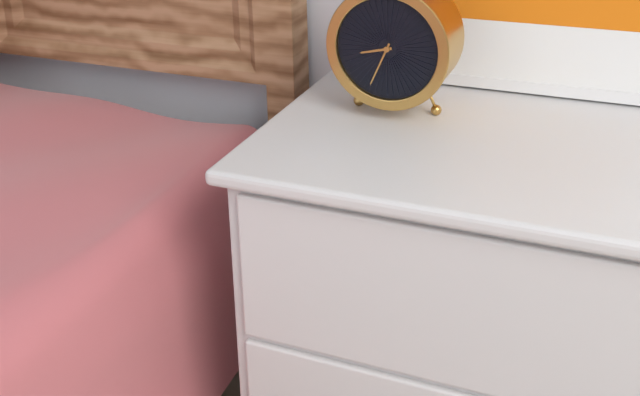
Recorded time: **8:34**
